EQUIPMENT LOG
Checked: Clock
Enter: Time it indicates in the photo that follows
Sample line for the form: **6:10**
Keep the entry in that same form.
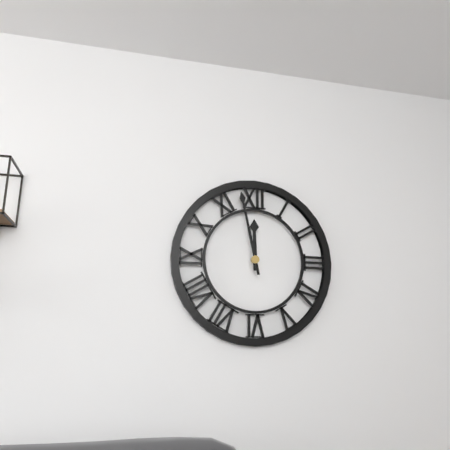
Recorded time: **11:58**
